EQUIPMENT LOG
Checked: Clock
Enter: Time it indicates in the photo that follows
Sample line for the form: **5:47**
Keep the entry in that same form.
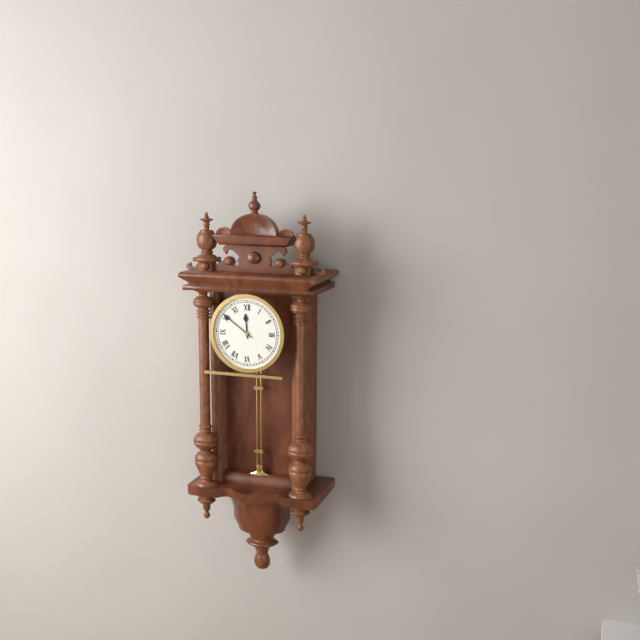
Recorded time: **11:51**
